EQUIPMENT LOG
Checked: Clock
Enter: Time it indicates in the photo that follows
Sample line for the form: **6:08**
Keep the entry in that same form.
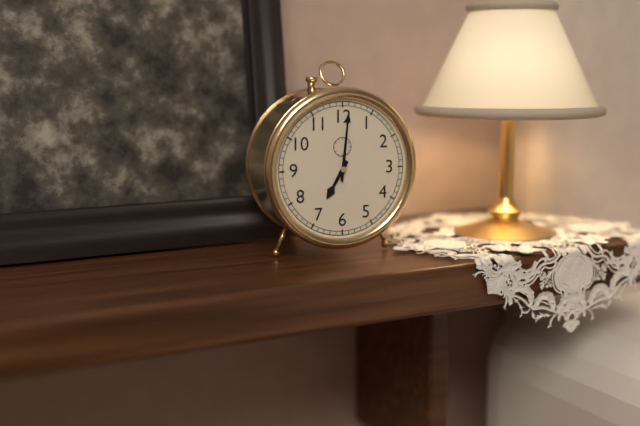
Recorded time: **7:01**
